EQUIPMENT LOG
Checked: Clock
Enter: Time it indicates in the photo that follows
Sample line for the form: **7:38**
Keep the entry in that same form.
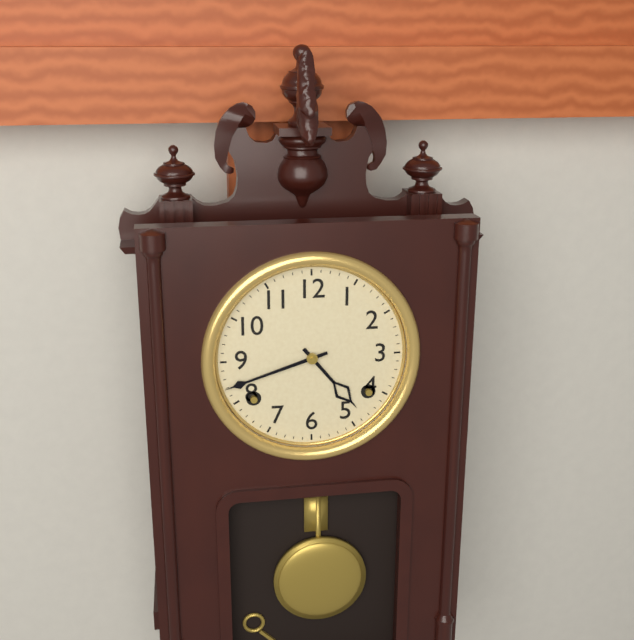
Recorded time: **4:42**
